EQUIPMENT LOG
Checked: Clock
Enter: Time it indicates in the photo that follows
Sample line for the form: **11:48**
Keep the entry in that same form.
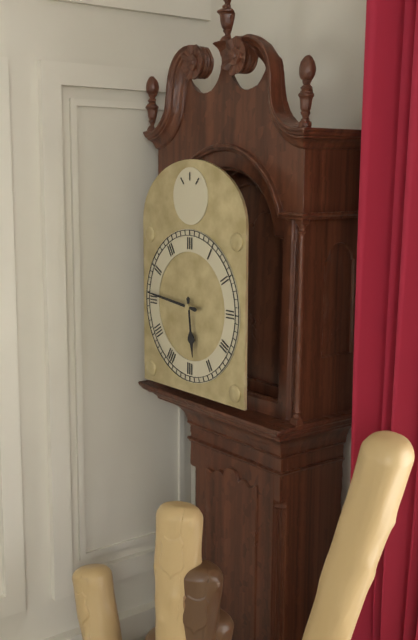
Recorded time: **5:46**
